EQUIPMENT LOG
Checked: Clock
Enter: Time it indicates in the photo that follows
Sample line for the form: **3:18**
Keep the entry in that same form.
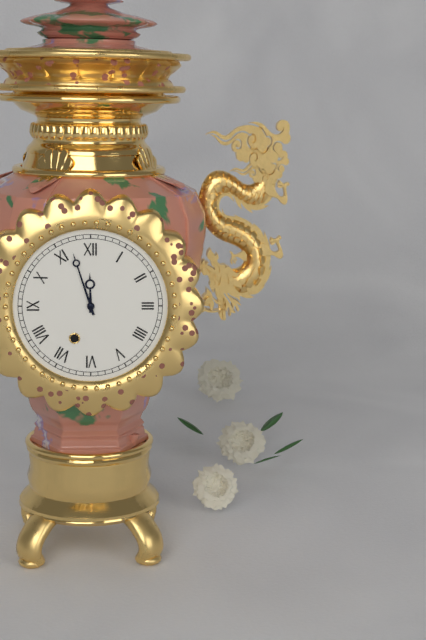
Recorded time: **11:57**
